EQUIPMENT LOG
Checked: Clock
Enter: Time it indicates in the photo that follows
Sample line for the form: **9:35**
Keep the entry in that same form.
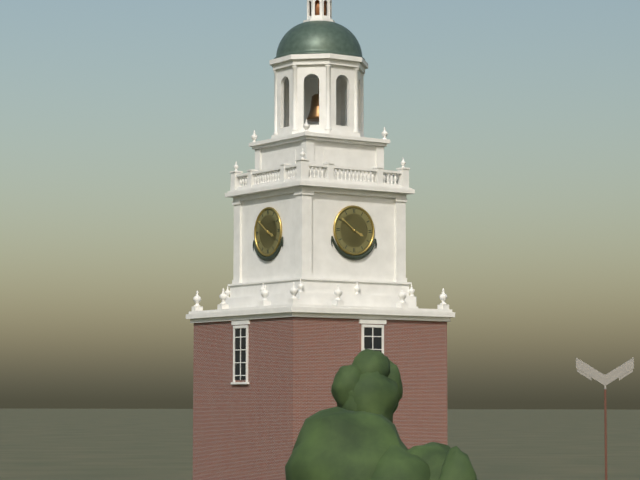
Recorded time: **3:51**
